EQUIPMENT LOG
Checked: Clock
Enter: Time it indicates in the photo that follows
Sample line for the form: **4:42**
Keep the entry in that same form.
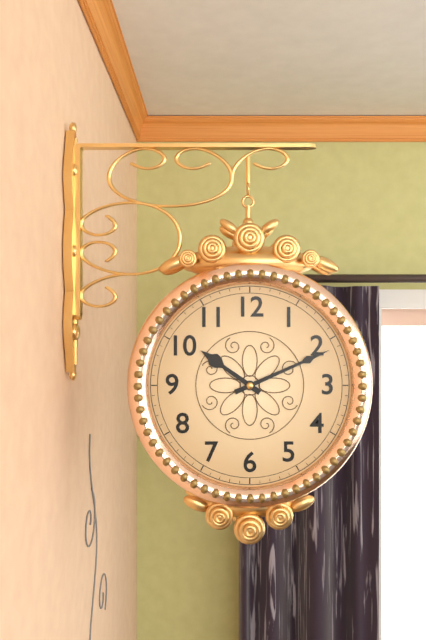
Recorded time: **10:11**
